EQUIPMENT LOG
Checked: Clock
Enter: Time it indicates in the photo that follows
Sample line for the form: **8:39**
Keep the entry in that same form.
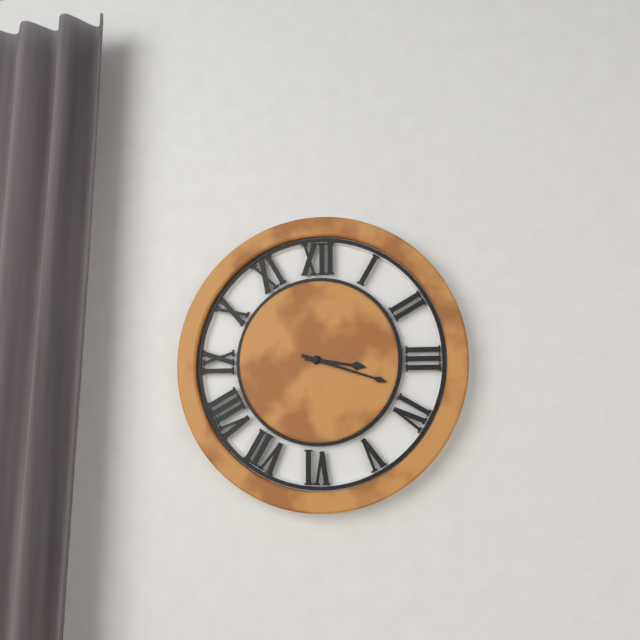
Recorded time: **3:18**
